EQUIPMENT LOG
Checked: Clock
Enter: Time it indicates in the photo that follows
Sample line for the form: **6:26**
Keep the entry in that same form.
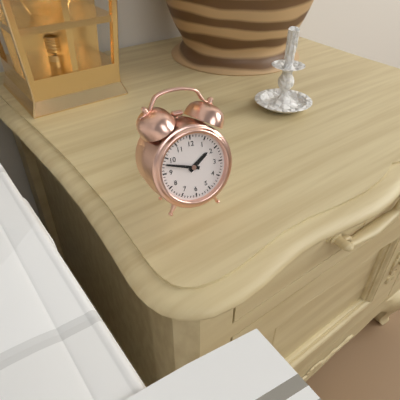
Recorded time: **1:48**
